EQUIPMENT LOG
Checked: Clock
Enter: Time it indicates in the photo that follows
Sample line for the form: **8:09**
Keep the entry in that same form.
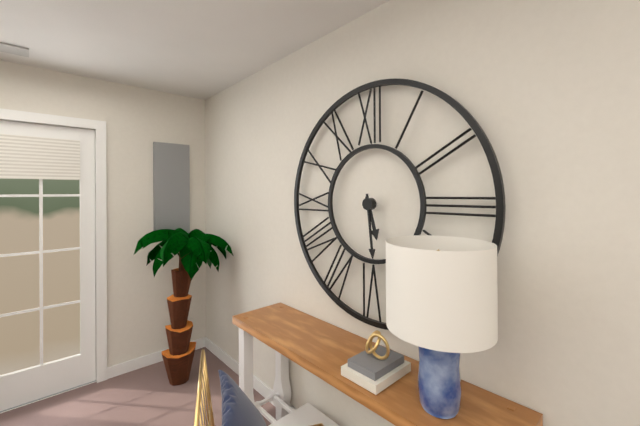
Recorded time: **5:29**
